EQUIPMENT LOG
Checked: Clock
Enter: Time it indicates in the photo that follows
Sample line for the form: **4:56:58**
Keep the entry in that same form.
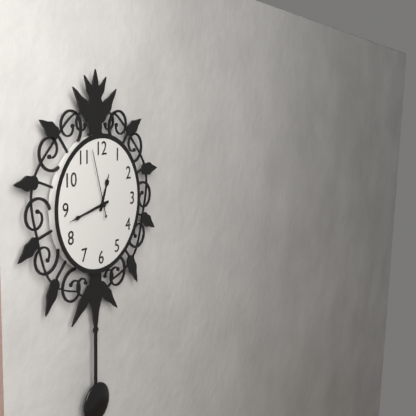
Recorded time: **12:43:57**
